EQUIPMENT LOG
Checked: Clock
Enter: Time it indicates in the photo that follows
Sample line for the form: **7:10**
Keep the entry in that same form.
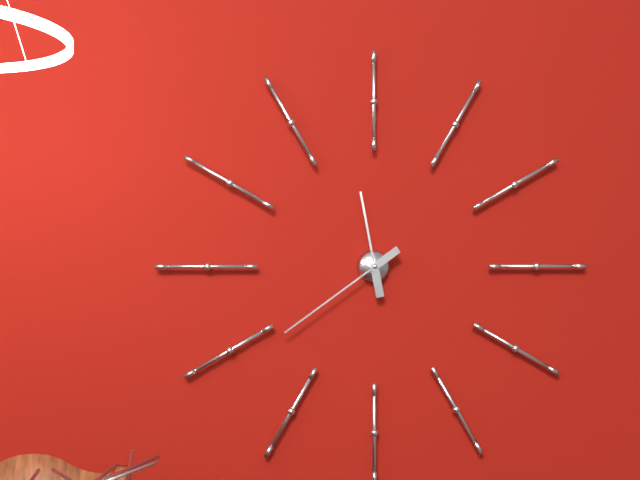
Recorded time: **11:39**
